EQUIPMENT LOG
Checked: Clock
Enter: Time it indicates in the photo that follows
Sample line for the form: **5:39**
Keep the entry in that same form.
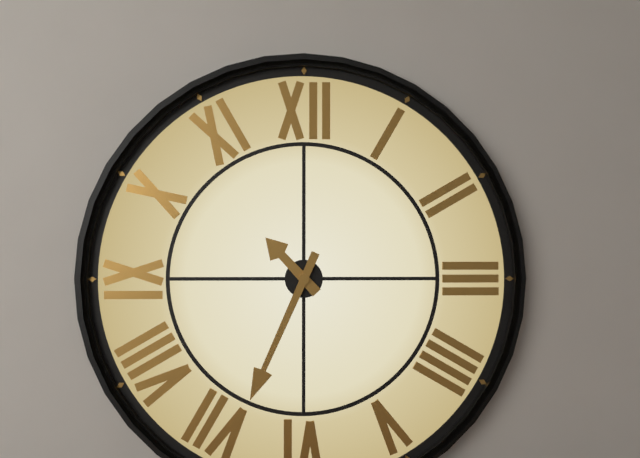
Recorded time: **10:34**
